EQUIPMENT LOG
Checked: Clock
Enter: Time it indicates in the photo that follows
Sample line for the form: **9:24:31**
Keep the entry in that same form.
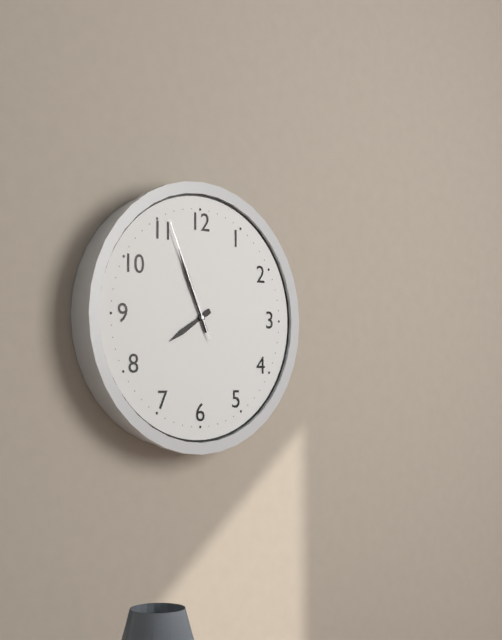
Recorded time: **7:56:56**
